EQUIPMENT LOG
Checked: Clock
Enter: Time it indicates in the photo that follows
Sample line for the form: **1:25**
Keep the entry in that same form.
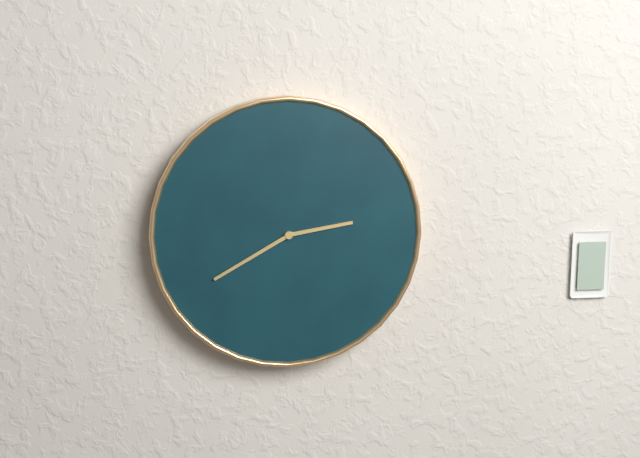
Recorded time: **2:40**
